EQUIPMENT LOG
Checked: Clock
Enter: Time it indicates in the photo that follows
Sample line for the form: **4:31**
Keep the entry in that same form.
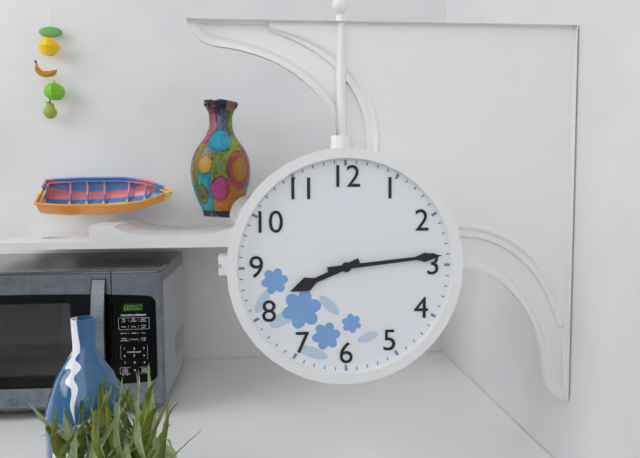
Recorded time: **8:14**
